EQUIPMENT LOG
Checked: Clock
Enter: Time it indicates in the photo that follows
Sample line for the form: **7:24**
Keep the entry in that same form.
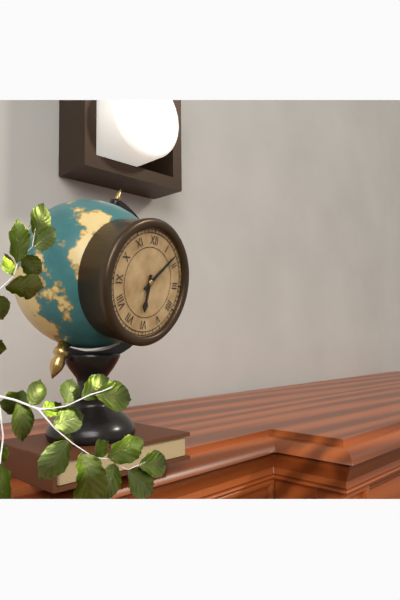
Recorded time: **6:08**
